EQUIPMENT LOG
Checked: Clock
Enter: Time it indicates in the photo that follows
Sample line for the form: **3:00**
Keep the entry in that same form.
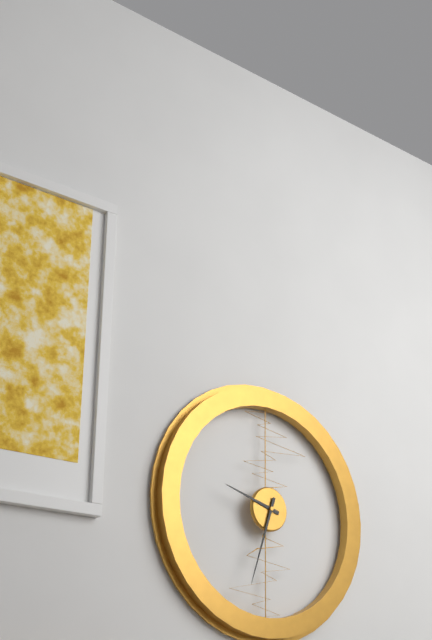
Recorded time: **9:33**
